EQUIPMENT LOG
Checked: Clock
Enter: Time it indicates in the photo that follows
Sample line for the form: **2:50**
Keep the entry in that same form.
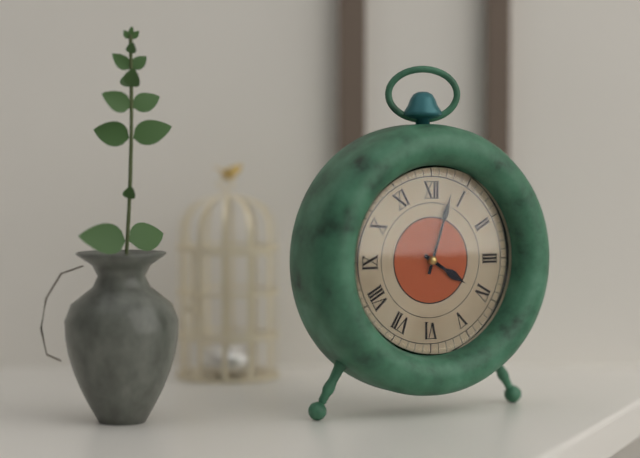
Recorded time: **4:03**
